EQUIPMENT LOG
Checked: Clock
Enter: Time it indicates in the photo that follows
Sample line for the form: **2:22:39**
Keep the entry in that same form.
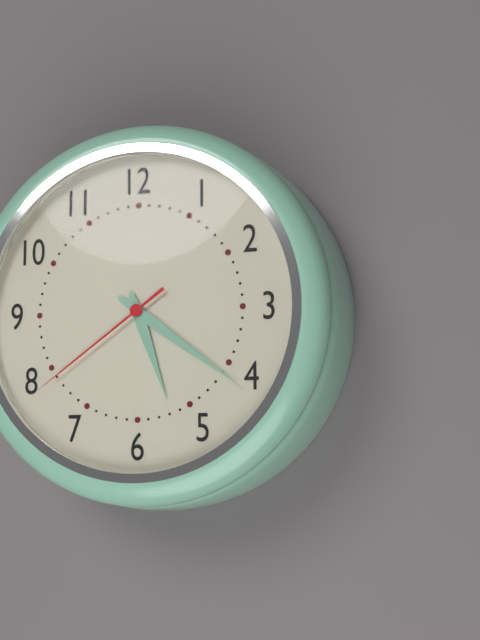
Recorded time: **5:21:39**
